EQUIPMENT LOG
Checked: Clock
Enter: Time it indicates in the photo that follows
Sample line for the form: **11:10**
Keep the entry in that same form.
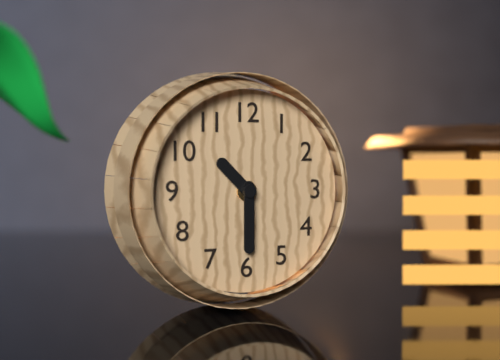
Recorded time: **10:30**
